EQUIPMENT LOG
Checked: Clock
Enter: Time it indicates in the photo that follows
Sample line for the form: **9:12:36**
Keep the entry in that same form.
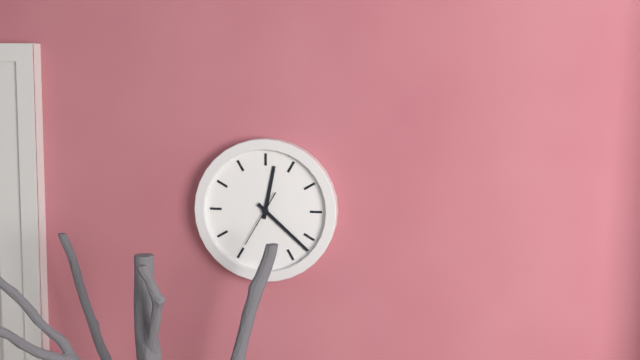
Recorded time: **12:22:35**
